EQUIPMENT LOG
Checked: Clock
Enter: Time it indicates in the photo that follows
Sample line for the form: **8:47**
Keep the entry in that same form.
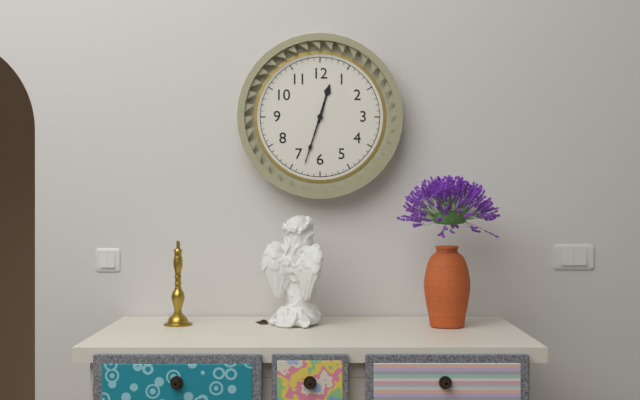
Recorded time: **12:33**
